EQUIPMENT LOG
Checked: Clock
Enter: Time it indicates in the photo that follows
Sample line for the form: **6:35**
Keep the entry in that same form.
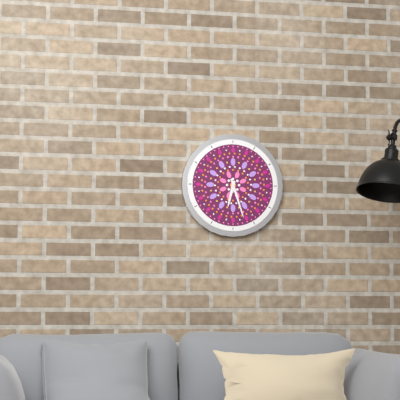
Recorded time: **6:27**
